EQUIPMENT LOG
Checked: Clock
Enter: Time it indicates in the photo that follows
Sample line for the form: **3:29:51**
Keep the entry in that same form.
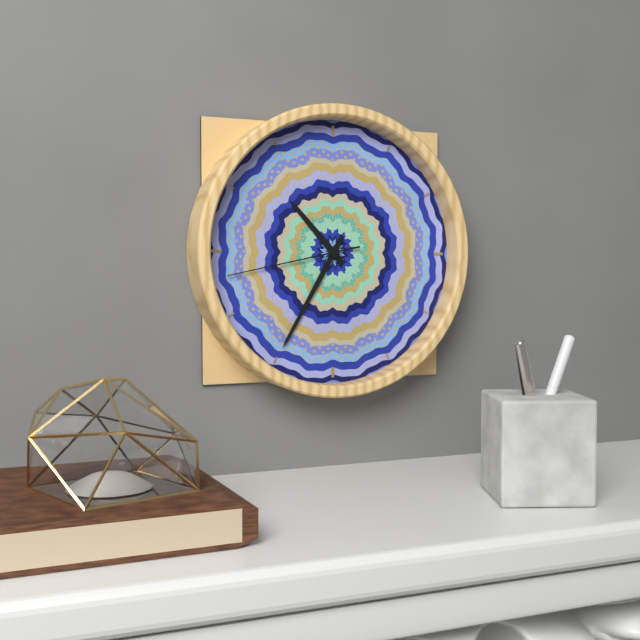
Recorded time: **10:35:43**
